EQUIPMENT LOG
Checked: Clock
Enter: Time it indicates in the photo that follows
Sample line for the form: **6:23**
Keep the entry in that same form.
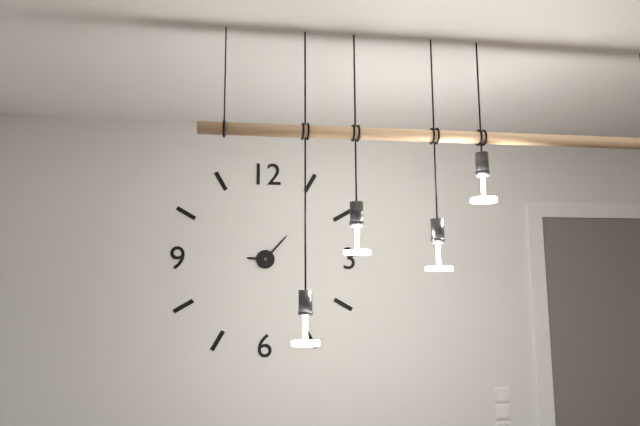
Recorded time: **9:07**
